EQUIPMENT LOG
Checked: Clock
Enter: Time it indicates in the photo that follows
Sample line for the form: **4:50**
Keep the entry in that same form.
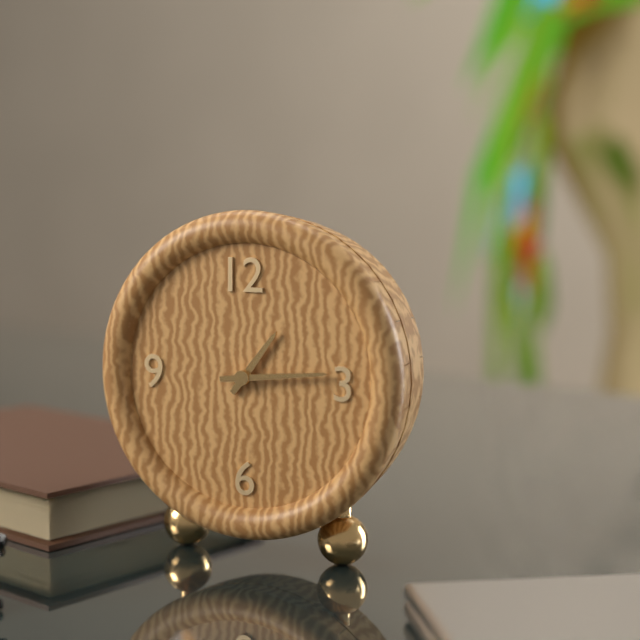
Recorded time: **1:14**
